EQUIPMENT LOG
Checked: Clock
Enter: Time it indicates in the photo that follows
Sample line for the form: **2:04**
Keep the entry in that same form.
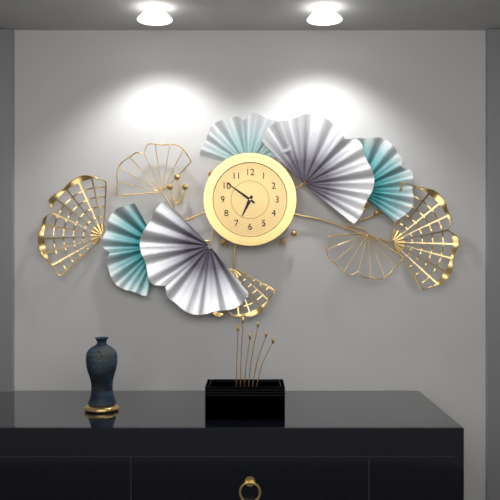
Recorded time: **6:51**
